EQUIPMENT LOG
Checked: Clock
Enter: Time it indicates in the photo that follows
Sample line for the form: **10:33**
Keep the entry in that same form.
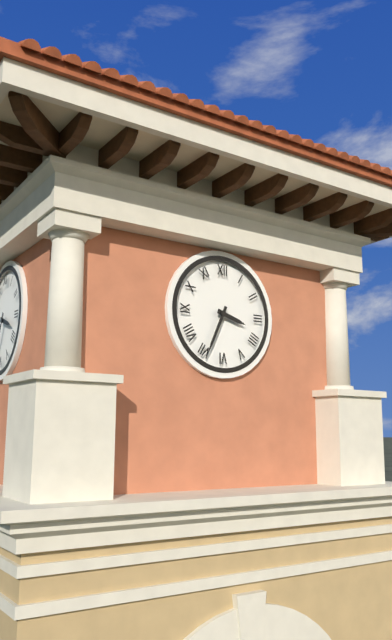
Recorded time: **3:34**
